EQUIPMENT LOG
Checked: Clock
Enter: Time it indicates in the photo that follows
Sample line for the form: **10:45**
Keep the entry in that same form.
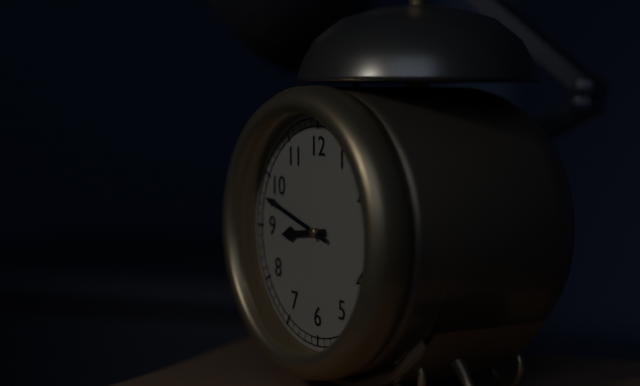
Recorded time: **8:48**
